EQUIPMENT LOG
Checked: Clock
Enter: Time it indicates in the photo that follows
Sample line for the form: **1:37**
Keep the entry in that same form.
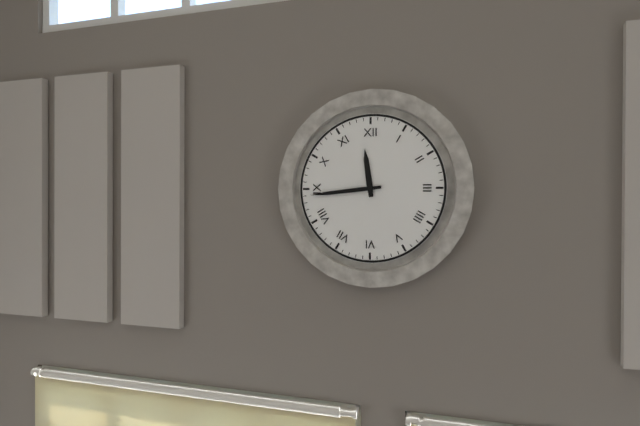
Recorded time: **11:44**
